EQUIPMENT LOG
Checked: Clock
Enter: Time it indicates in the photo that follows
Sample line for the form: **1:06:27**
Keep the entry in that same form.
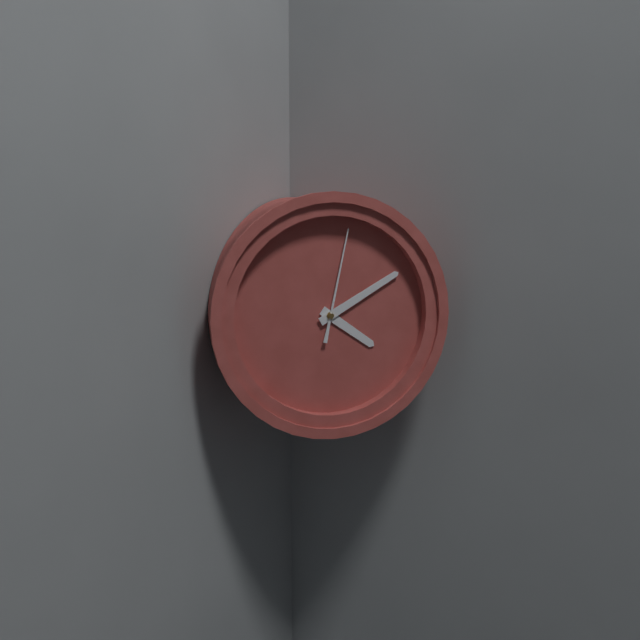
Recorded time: **4:10:02**
